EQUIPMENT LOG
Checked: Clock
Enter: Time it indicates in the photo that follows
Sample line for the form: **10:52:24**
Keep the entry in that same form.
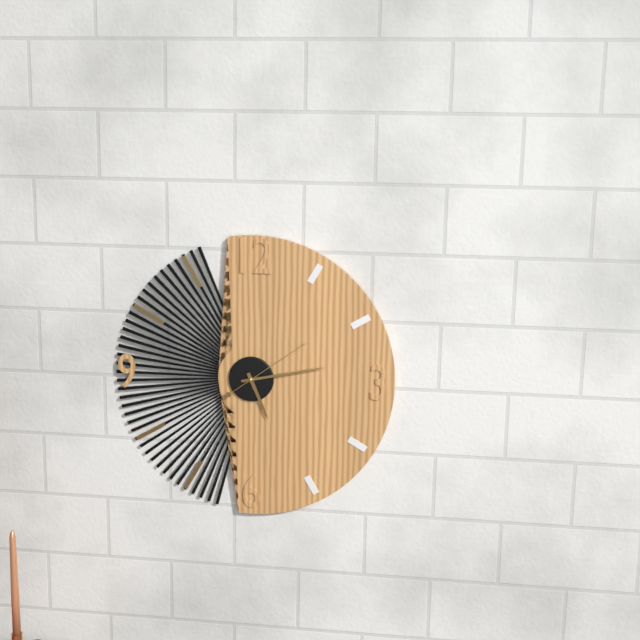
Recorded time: **5:13:09**
